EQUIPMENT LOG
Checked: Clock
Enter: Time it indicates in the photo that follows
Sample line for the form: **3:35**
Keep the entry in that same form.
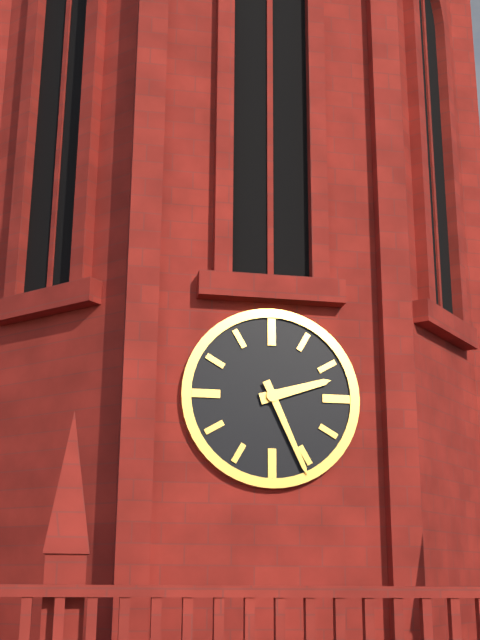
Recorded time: **2:26**
